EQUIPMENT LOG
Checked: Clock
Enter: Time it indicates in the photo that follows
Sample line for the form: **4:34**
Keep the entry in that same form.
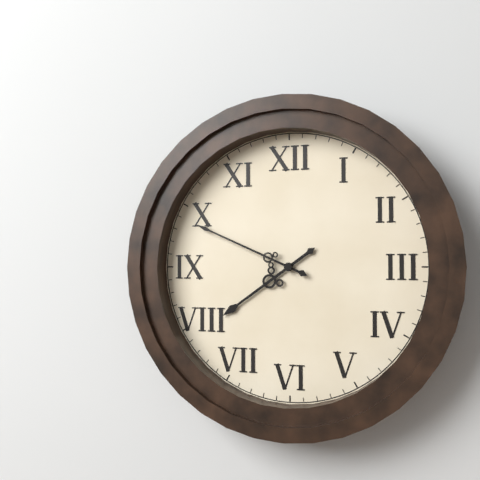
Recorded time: **7:49**
